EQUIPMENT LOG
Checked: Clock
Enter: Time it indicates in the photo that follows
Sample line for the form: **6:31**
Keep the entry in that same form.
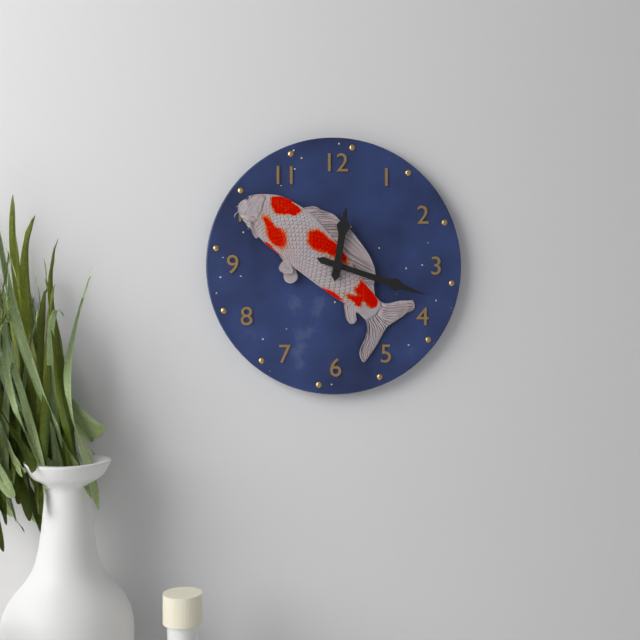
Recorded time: **12:18**
